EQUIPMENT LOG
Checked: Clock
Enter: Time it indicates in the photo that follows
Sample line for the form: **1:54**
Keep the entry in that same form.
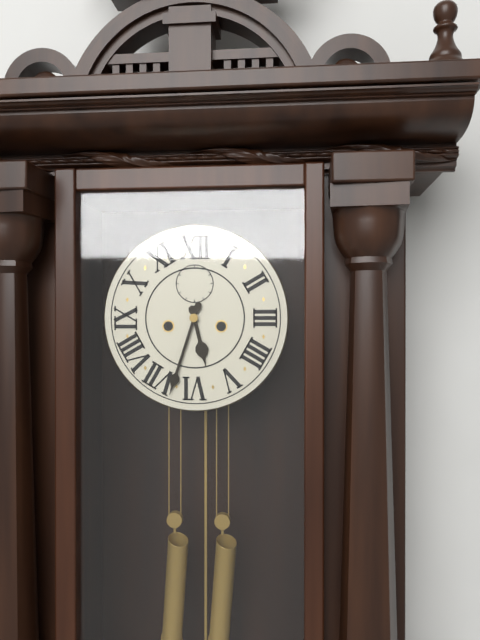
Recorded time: **5:33**
